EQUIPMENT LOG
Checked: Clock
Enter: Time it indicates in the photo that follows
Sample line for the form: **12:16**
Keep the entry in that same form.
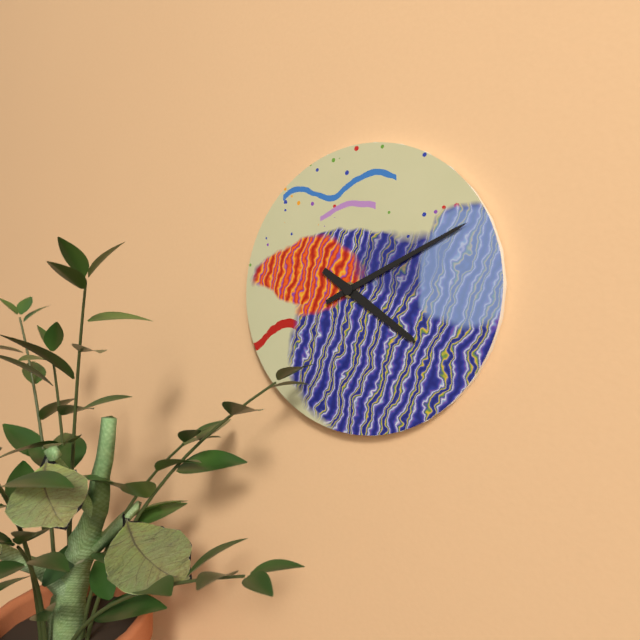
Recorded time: **4:11**
